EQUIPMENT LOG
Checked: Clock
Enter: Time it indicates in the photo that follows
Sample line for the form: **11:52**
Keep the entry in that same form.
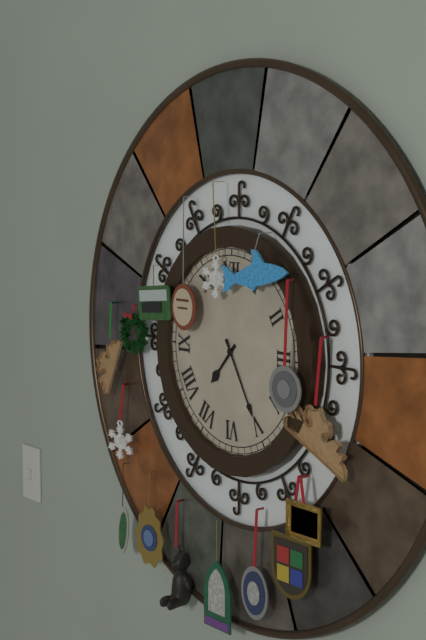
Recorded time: **7:25**
